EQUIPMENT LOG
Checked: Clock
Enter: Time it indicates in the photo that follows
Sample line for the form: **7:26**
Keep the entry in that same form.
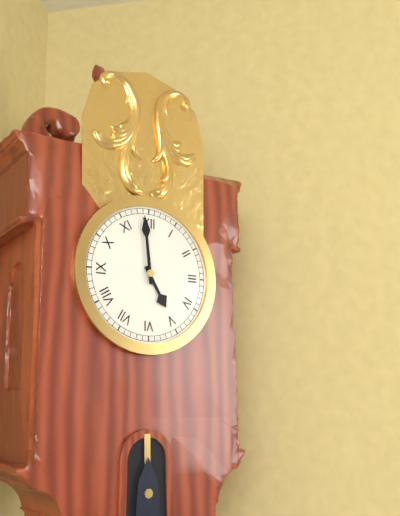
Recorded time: **4:59**
